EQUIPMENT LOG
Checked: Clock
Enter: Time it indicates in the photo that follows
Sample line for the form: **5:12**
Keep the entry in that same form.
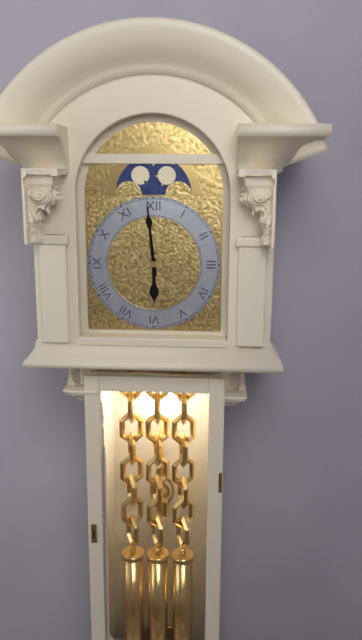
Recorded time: **5:59**
